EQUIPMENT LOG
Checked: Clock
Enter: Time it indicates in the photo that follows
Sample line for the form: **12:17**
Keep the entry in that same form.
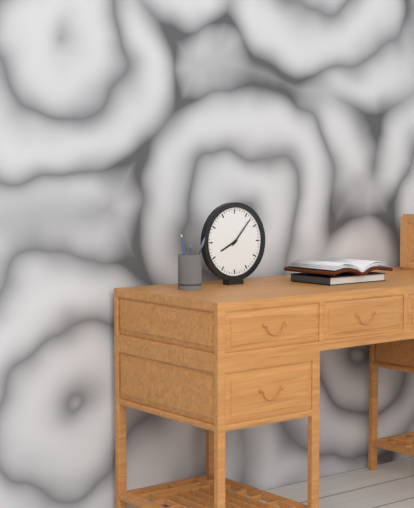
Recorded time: **8:07**
